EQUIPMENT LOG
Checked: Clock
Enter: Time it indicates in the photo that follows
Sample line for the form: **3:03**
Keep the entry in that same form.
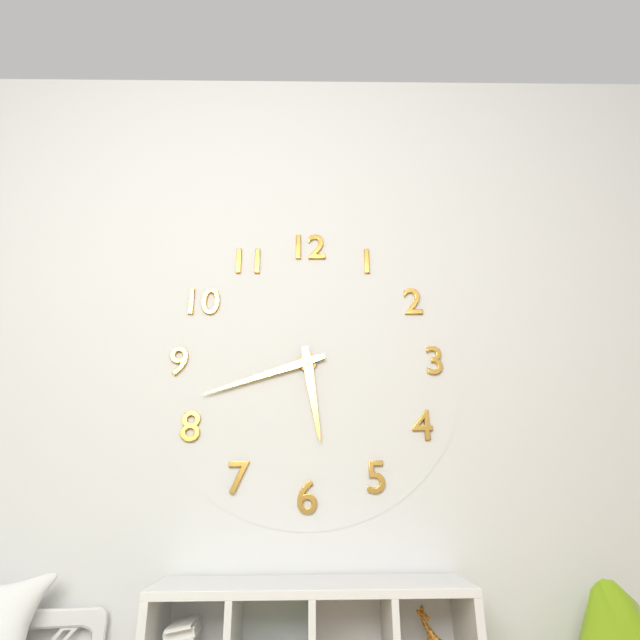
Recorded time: **5:42**
